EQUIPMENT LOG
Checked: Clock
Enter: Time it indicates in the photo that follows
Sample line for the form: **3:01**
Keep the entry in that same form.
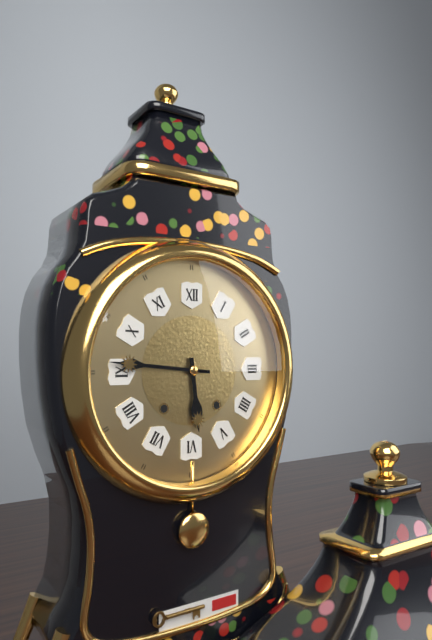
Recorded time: **5:46**
